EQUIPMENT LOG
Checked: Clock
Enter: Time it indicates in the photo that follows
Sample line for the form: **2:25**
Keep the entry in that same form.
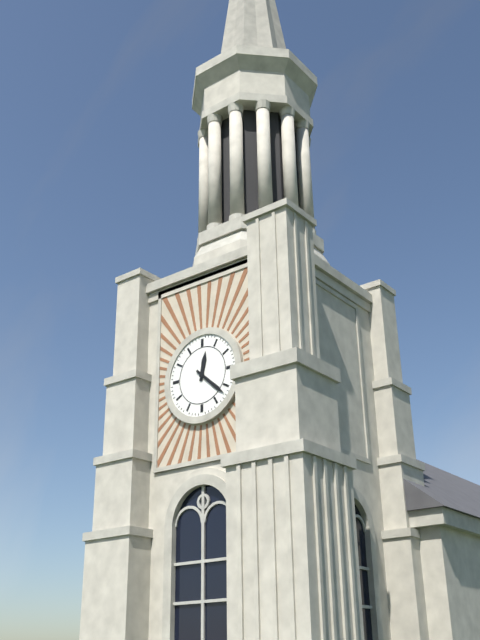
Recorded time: **12:22**
